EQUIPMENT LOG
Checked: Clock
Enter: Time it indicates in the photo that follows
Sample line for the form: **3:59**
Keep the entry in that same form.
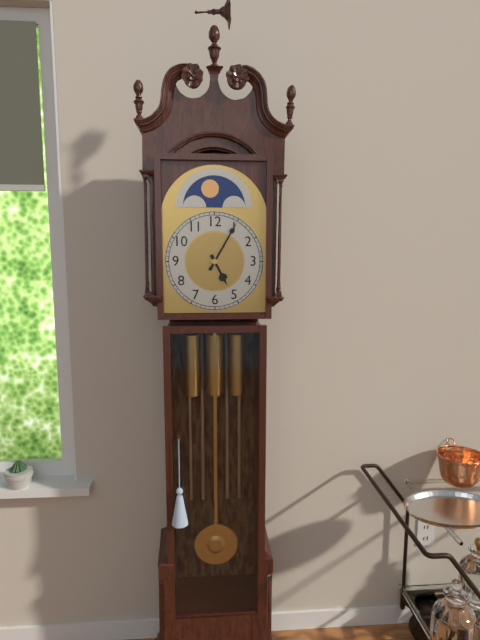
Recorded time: **5:05**
